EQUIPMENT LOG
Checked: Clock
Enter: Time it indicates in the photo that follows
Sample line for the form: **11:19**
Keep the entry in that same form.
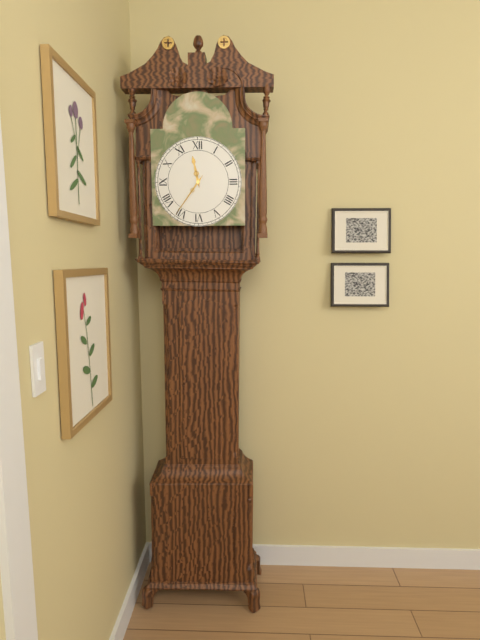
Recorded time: **11:36**
